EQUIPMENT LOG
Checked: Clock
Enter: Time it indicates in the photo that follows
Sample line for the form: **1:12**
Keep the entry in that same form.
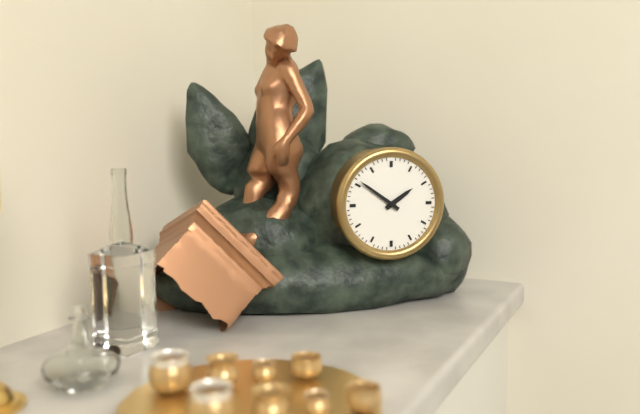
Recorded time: **1:51**
